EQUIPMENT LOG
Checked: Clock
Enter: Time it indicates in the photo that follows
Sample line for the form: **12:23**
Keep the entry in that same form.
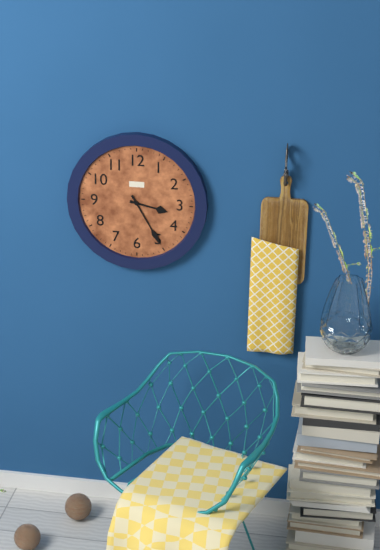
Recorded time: **3:25**
